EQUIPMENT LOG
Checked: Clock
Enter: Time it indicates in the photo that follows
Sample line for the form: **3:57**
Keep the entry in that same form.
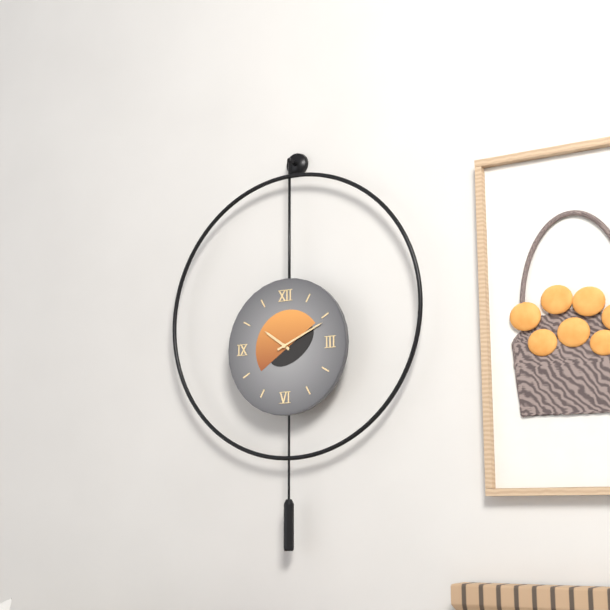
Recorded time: **10:11**
